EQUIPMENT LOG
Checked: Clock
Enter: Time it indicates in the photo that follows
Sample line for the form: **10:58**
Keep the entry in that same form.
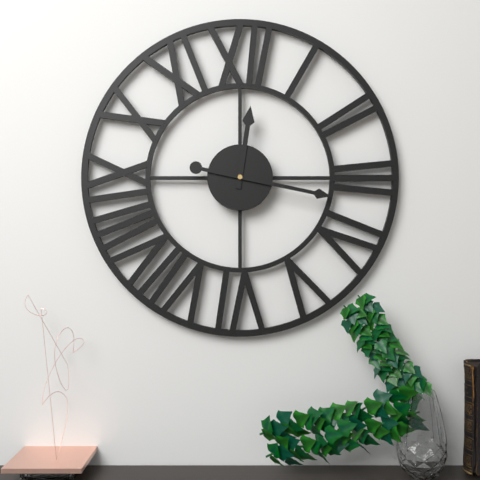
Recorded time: **12:17**
